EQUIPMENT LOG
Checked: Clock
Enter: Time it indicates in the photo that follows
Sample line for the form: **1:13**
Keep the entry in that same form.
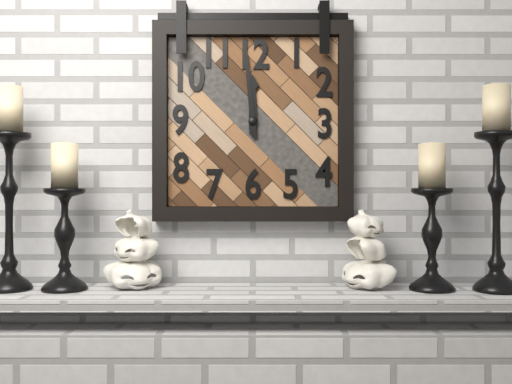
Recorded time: **11:59**
